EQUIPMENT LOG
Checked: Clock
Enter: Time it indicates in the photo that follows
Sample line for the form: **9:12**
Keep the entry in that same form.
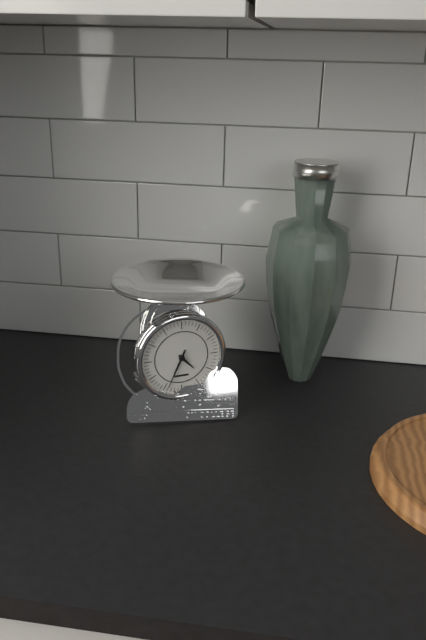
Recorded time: **4:34**
